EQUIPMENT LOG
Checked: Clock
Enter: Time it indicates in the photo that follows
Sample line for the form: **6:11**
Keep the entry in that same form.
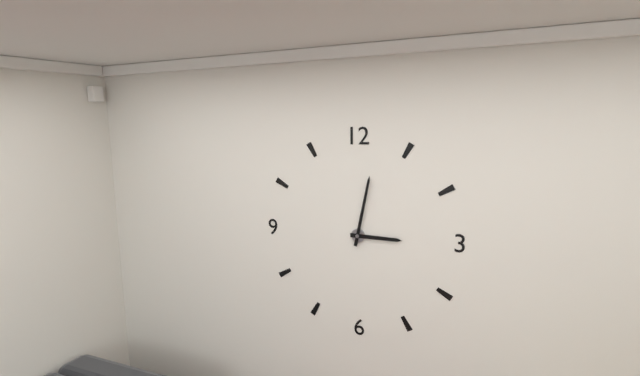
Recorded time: **3:02**
